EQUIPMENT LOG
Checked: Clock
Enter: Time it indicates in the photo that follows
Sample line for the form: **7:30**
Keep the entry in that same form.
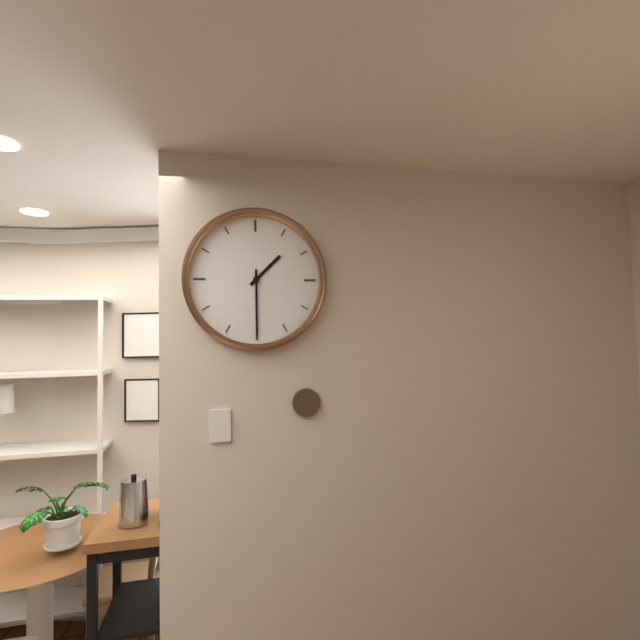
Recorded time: **1:30**
